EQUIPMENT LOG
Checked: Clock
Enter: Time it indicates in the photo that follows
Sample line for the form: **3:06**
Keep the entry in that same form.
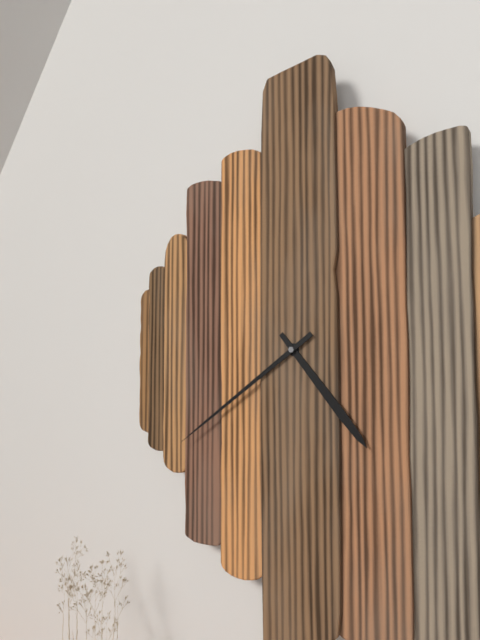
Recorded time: **4:39**
